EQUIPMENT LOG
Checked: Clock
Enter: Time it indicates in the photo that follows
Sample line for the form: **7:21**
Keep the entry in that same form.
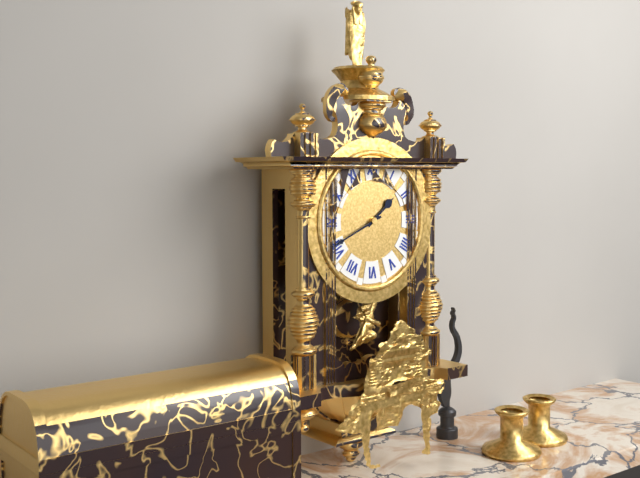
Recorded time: **1:41**
